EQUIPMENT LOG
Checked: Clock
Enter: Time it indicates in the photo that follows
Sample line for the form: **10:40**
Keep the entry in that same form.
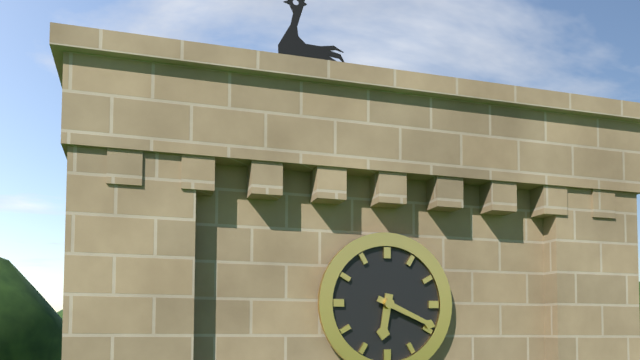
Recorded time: **6:19**
